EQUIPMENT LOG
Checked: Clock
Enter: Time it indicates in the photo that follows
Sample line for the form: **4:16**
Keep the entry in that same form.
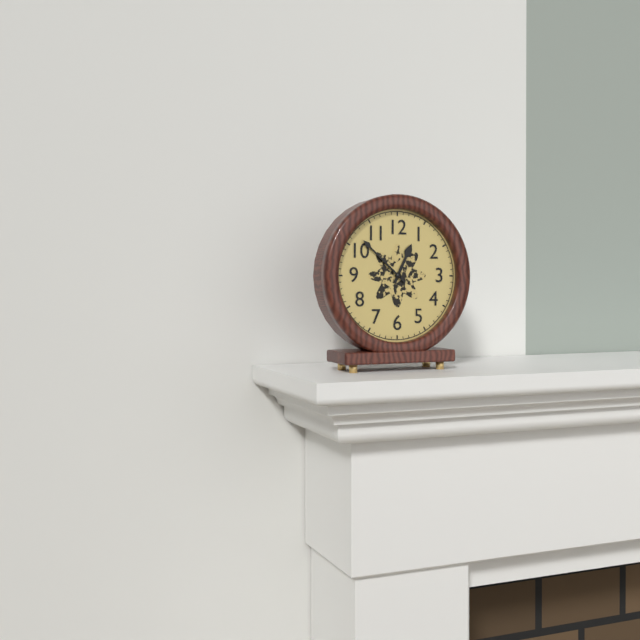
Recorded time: **12:52**
